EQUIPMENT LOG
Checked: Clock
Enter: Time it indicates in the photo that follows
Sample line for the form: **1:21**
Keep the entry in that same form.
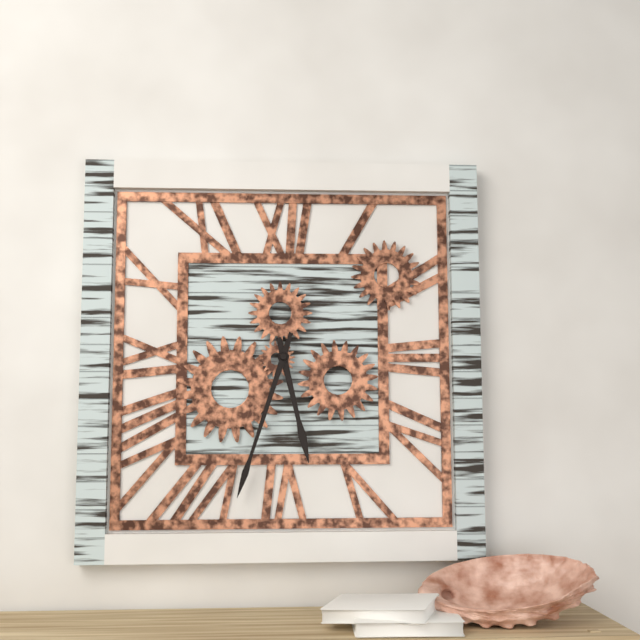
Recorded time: **5:33**
